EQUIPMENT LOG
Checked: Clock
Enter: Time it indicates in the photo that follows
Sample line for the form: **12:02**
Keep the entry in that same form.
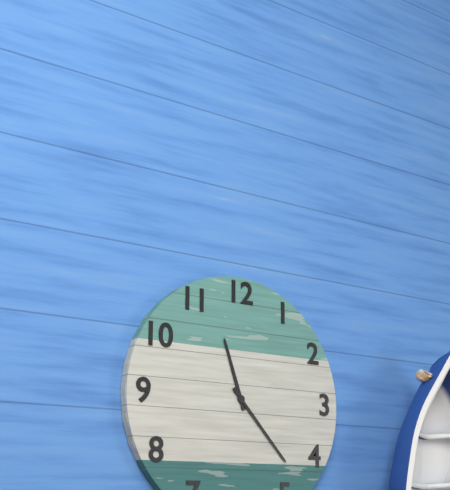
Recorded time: **11:23**
